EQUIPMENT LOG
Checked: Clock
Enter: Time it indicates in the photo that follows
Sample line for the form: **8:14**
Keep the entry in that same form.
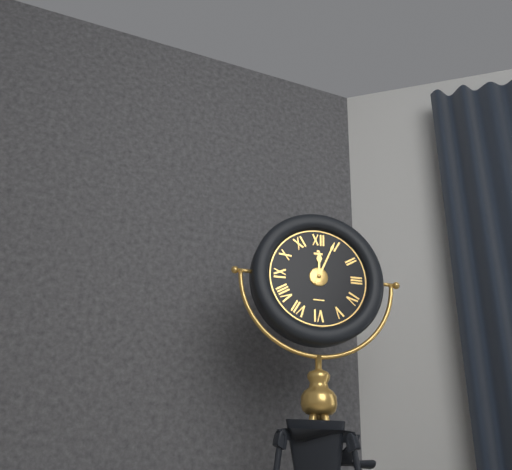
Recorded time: **12:04**
